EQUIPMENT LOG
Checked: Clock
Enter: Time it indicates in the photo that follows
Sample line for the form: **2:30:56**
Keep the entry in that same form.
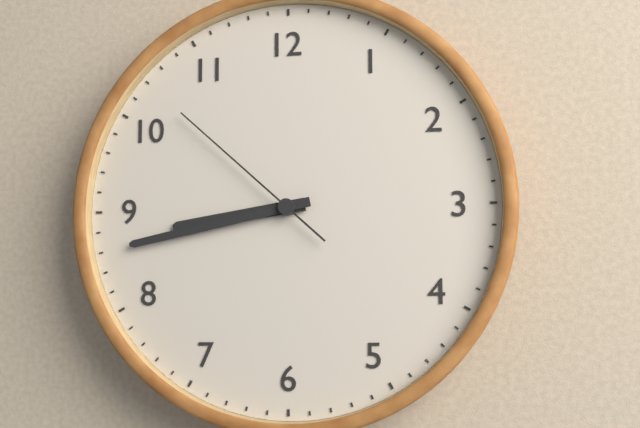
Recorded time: **8:43:52**
